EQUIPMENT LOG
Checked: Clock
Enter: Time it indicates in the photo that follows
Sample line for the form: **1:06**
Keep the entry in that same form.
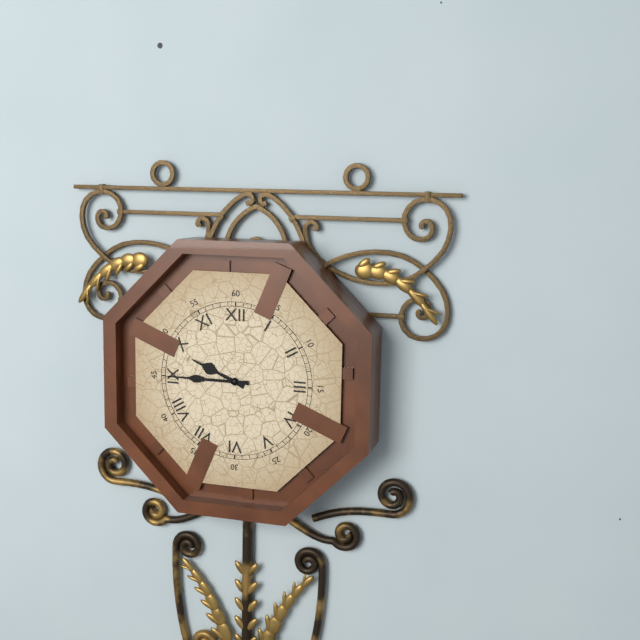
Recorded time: **9:45**
